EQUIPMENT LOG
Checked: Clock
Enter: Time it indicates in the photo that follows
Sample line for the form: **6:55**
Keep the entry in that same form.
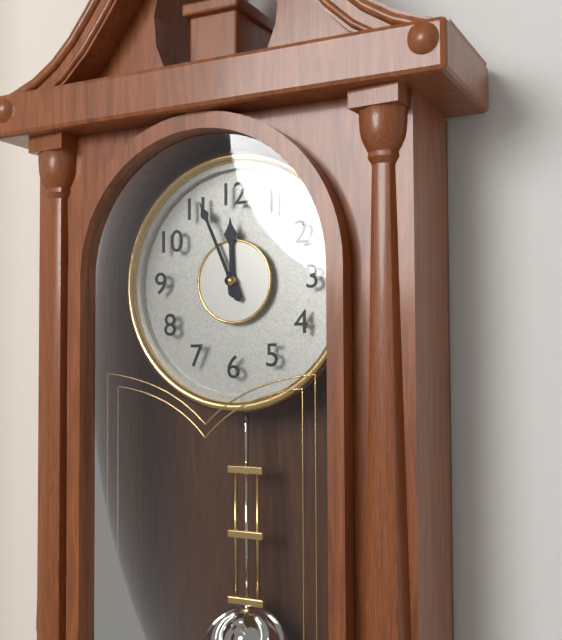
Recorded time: **11:56**
